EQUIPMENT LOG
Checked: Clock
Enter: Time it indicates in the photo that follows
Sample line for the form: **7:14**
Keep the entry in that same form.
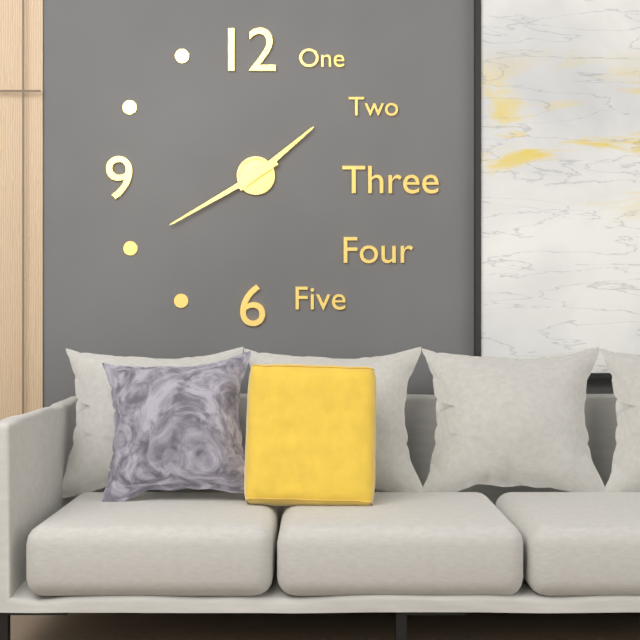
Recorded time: **1:40**
